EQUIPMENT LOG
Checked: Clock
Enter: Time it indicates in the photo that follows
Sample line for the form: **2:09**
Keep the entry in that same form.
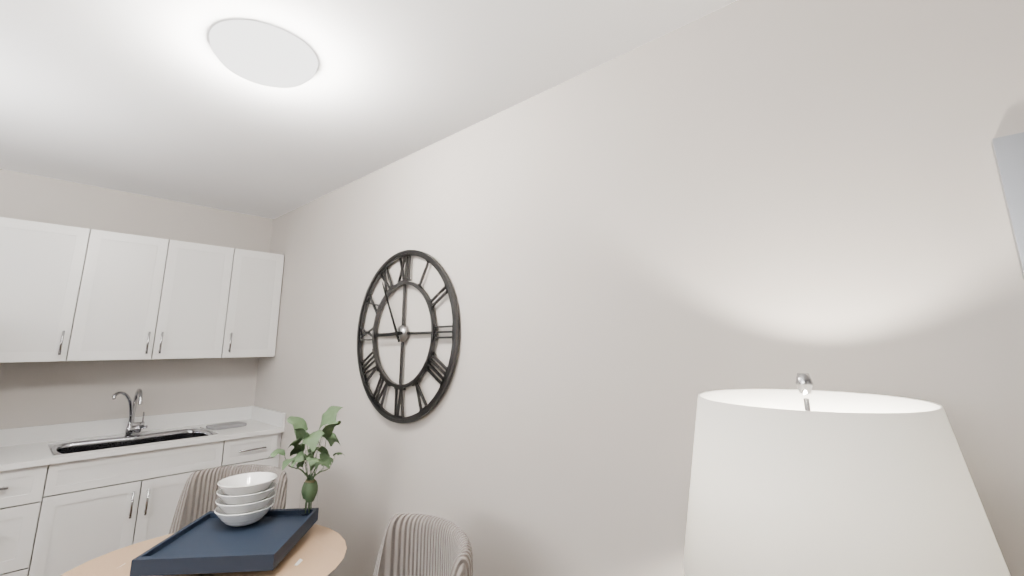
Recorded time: **8:55**
